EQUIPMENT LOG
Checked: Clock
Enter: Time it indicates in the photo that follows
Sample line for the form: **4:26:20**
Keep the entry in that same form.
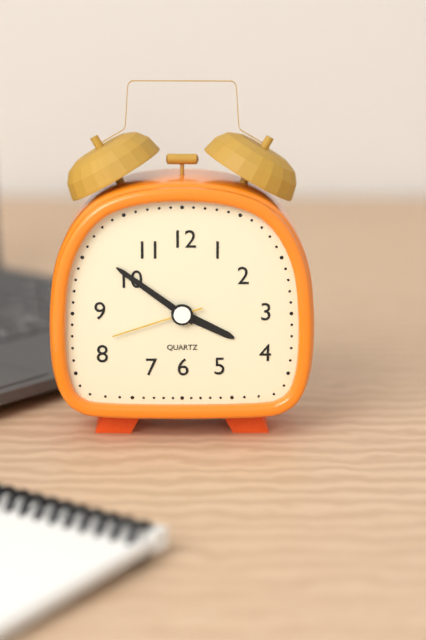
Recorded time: **3:51:42**
